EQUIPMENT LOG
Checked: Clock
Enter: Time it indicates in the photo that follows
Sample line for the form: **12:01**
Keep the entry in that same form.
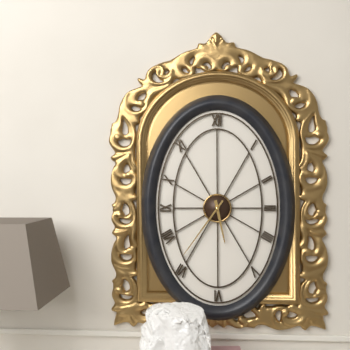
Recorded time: **5:36**
